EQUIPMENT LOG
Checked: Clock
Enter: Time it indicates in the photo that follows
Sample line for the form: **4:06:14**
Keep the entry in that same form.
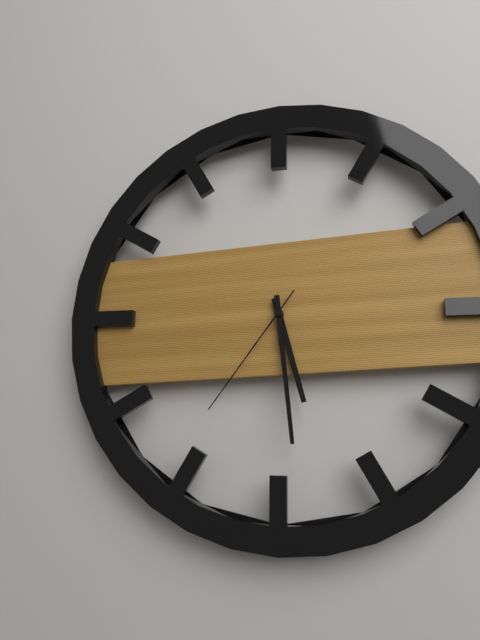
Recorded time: **5:29:36**
